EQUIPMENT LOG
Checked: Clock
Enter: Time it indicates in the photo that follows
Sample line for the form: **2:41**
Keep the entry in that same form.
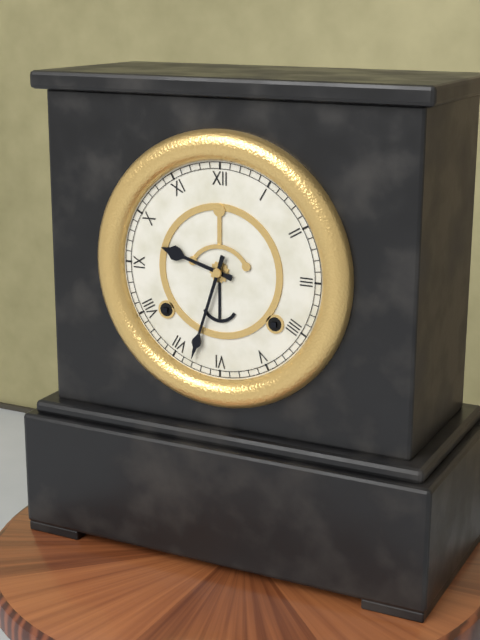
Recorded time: **9:33**
